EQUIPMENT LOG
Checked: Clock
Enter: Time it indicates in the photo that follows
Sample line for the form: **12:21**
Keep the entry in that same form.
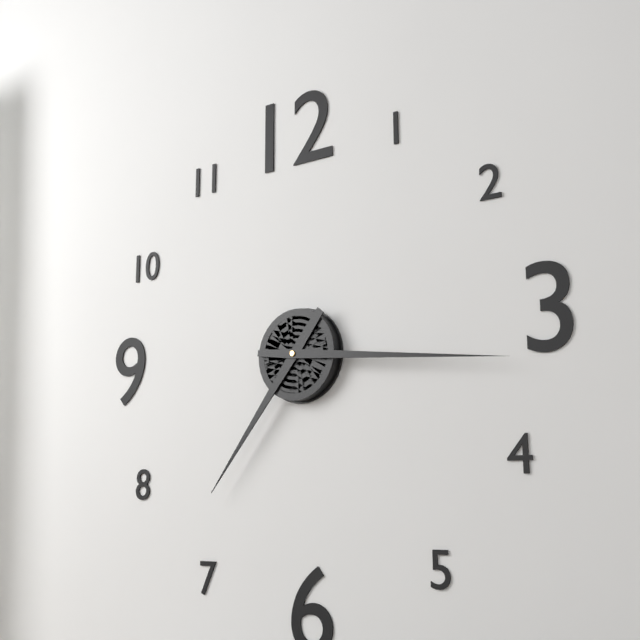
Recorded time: **7:16**
